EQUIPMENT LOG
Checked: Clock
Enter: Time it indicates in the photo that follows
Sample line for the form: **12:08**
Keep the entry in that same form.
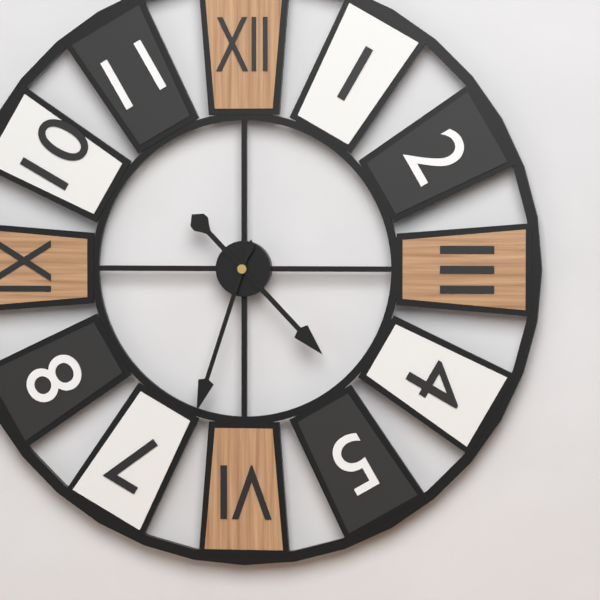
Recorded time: **4:33**
